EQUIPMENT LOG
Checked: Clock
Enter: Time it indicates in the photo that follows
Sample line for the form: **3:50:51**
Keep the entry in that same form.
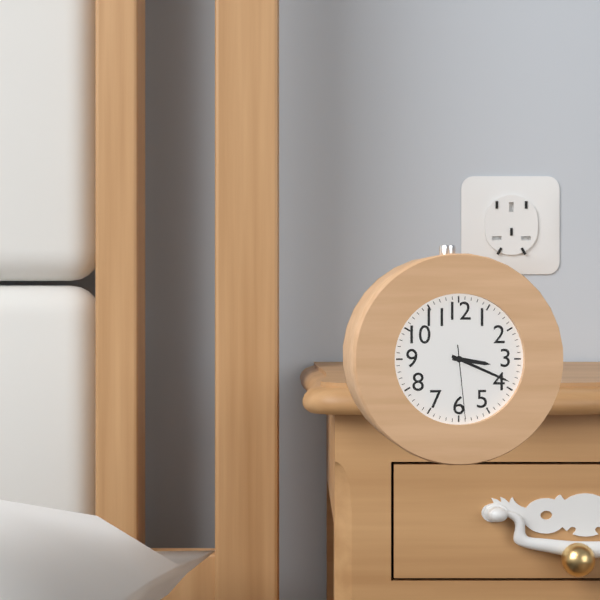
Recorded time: **3:19:29**
